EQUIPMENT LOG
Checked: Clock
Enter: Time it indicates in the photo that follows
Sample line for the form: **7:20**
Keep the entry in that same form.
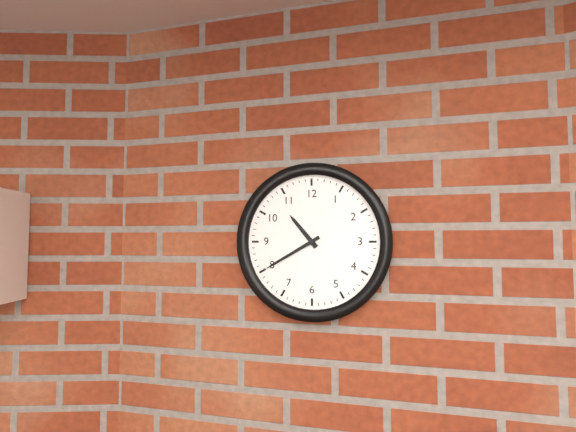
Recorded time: **10:40**
